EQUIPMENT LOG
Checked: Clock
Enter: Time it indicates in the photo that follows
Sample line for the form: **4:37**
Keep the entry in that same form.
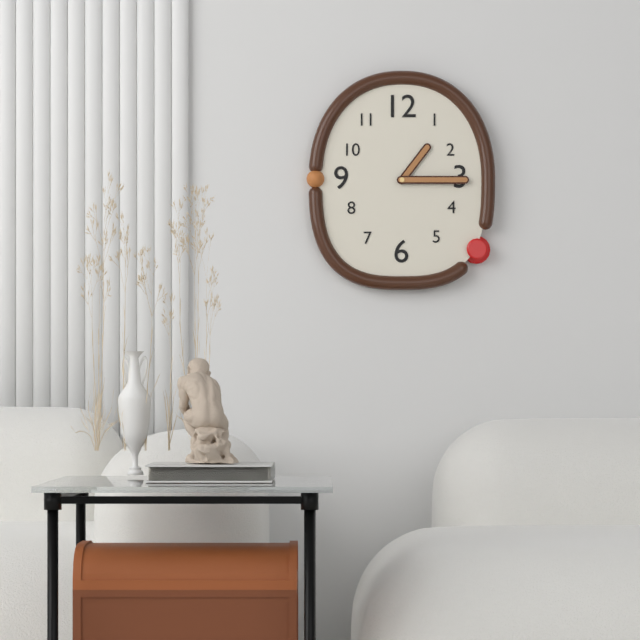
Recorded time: **1:15**
